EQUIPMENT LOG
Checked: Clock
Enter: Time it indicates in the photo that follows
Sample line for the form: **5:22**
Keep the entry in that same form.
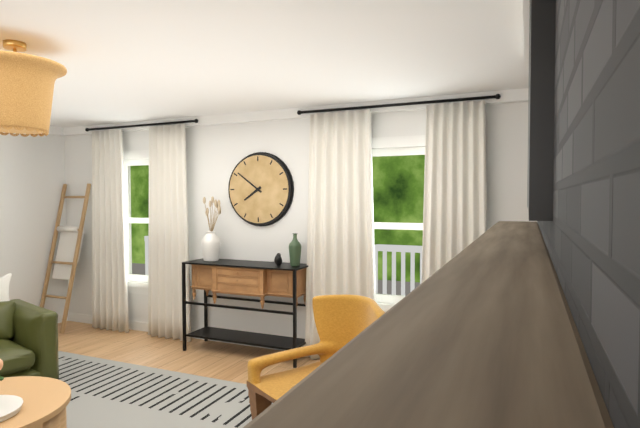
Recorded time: **7:51**
